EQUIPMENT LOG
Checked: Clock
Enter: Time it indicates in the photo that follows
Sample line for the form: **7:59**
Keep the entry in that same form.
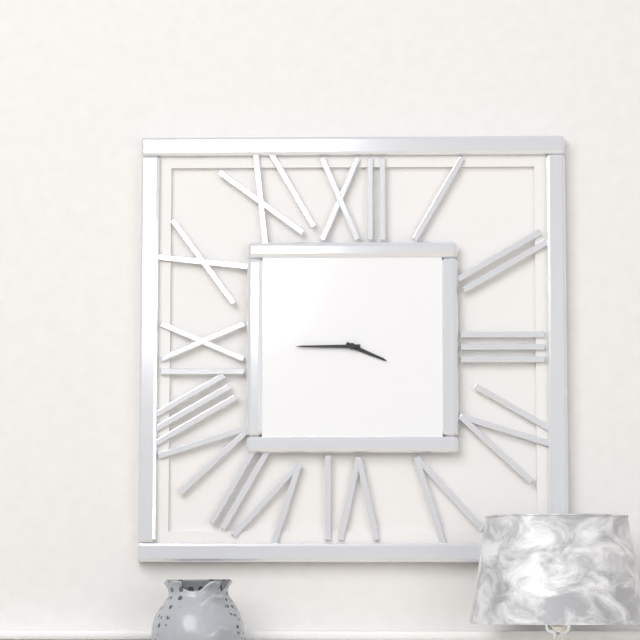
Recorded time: **3:45**
